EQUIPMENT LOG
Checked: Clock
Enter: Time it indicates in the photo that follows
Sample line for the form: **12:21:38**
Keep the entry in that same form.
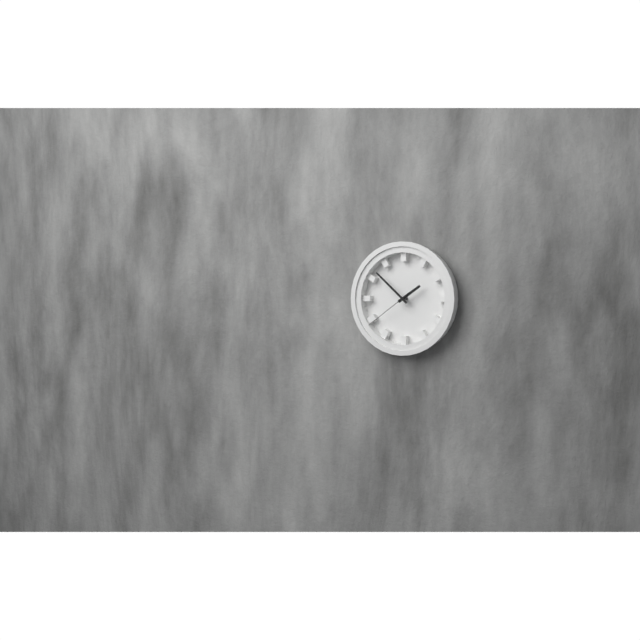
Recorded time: **1:52:39**
